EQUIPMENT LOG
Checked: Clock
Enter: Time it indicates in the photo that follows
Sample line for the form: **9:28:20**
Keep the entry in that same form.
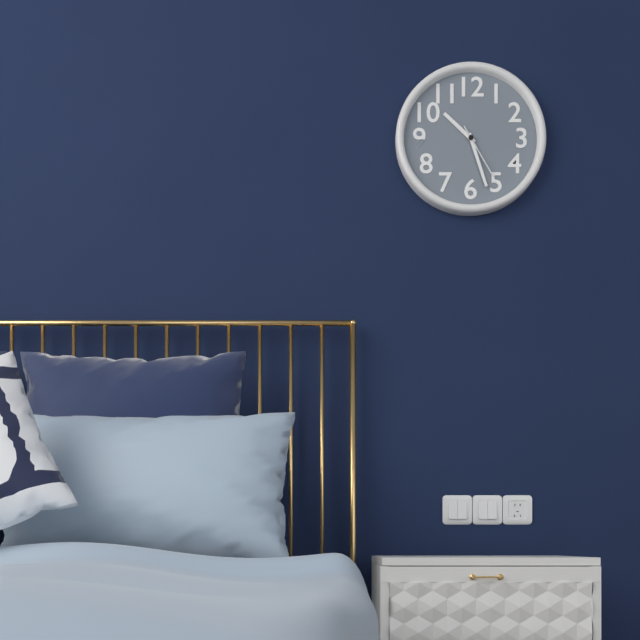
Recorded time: **10:27:25**
